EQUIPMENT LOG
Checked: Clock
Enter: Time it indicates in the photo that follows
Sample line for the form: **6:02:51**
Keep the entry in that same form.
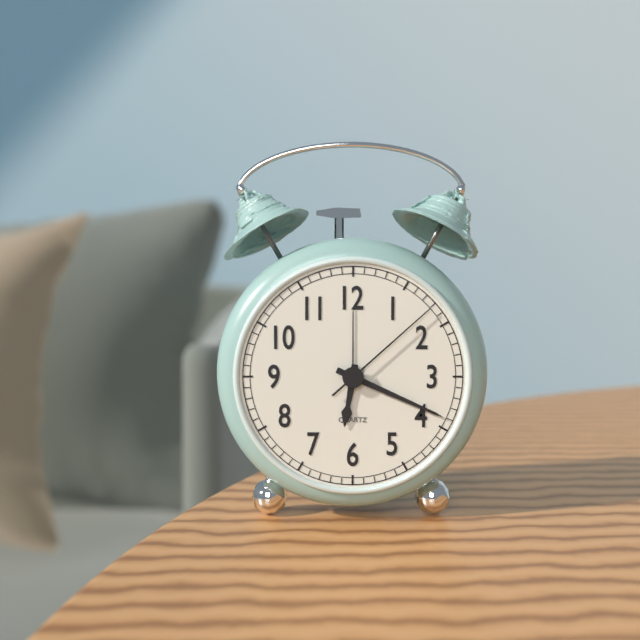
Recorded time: **6:19:08**
